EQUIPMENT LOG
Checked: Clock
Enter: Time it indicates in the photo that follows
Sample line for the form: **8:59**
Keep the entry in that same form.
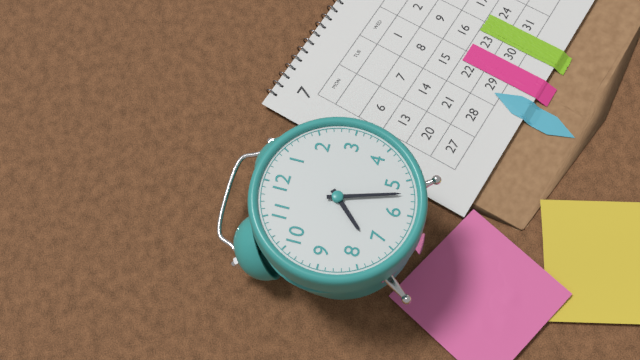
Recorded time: **7:27**
